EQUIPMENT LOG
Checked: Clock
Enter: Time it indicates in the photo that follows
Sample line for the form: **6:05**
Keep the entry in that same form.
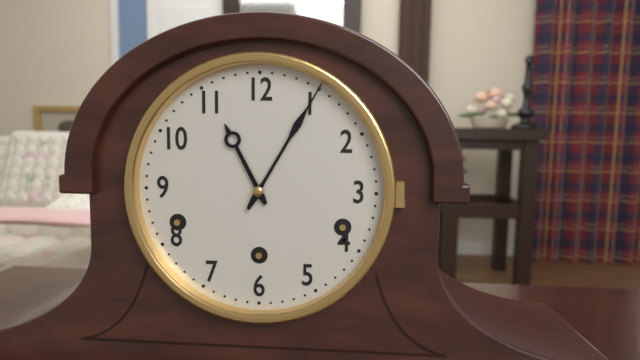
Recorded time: **11:05**
